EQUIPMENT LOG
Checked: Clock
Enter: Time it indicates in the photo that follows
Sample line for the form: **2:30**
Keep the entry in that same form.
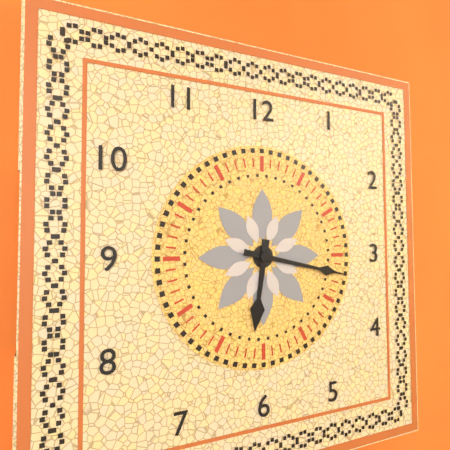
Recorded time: **6:17**
